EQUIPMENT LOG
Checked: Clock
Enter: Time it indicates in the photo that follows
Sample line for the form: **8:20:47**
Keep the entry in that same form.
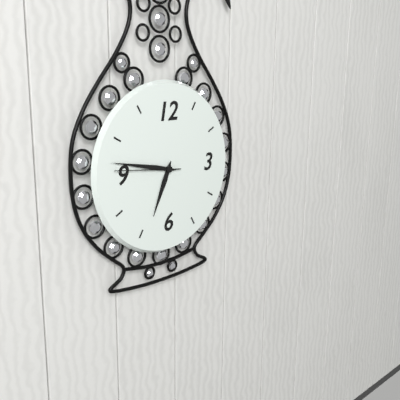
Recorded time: **6:47:46**
